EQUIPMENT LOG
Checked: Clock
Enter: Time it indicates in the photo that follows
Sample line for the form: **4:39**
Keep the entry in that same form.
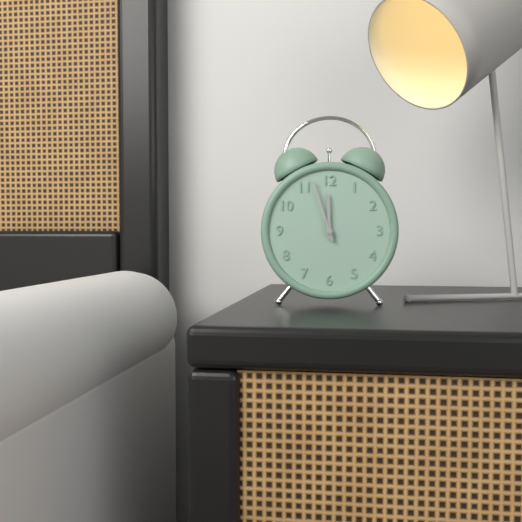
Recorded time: **11:57**
